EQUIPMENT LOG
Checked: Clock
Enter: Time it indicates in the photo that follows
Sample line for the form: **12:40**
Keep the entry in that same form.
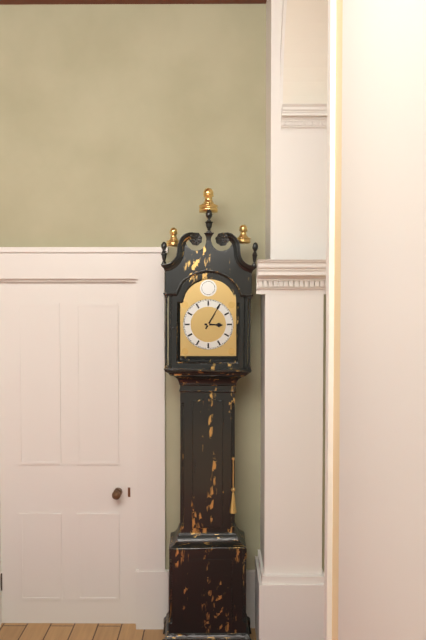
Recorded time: **3:05**
